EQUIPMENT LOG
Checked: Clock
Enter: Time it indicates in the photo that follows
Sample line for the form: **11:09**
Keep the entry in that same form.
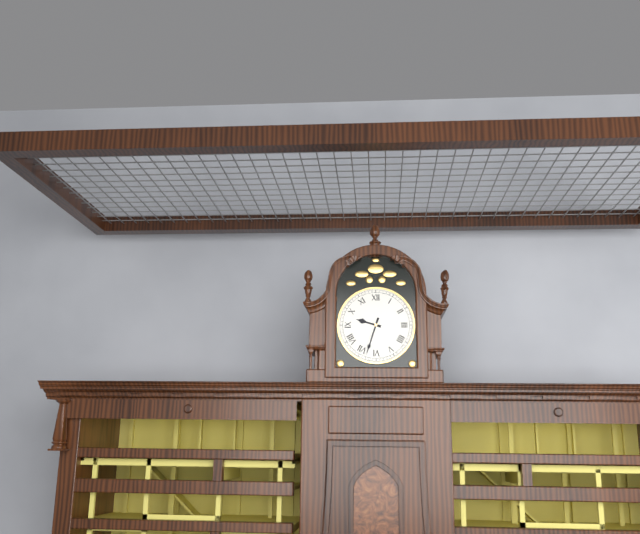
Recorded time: **9:33**
